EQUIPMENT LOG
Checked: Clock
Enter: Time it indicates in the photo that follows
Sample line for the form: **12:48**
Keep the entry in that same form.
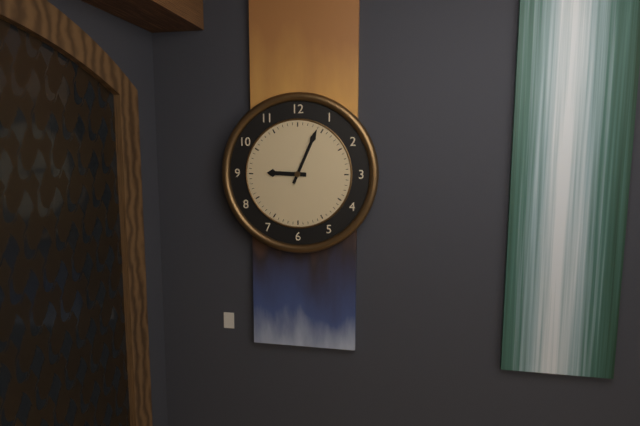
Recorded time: **9:04**
